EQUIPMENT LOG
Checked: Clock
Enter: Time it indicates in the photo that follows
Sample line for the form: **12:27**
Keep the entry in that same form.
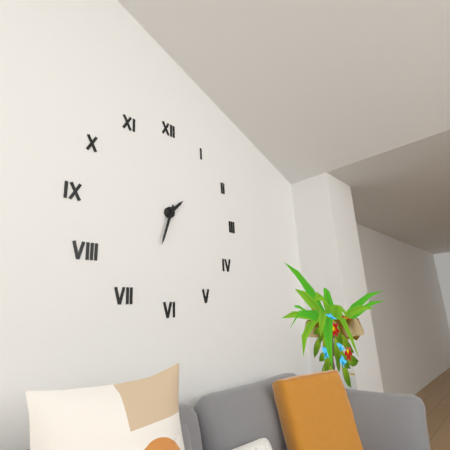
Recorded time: **1:33**
